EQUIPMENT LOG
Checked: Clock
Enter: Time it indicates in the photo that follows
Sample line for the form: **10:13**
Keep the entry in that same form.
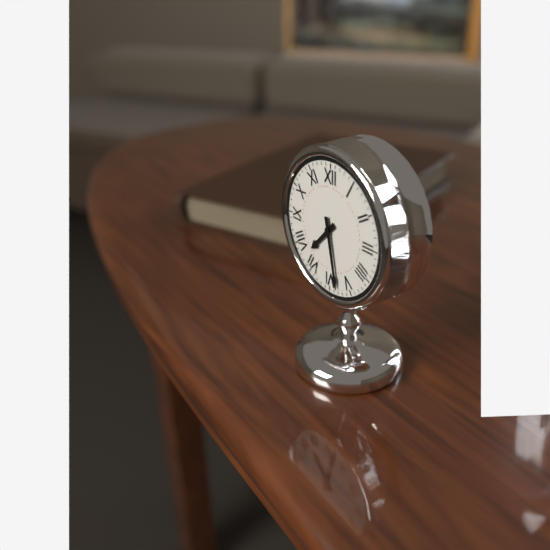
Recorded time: **7:28**
